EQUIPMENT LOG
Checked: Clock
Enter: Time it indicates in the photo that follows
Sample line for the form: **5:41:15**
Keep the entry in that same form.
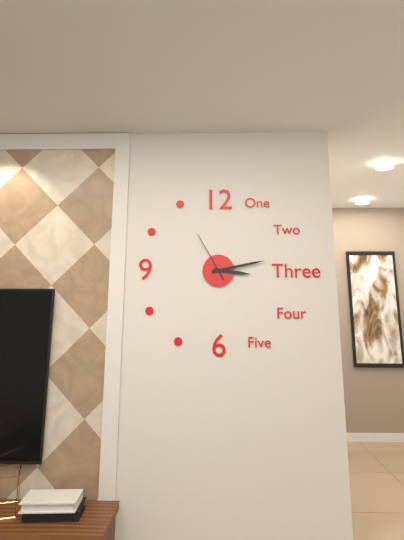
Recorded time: **3:13:55**
